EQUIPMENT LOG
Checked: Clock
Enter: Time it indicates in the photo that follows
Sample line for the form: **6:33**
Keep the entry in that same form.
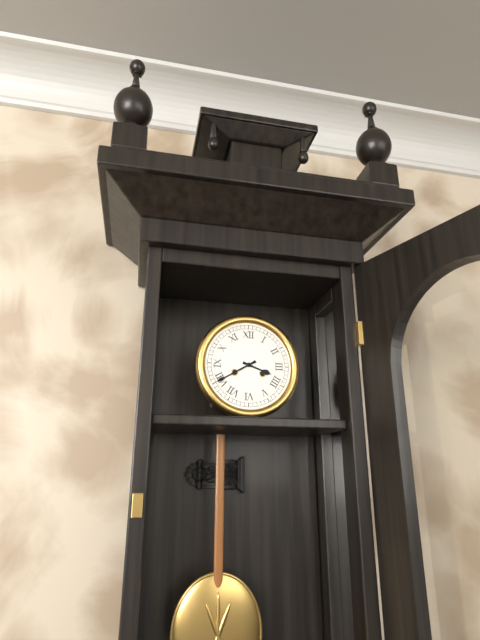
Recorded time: **3:40**
